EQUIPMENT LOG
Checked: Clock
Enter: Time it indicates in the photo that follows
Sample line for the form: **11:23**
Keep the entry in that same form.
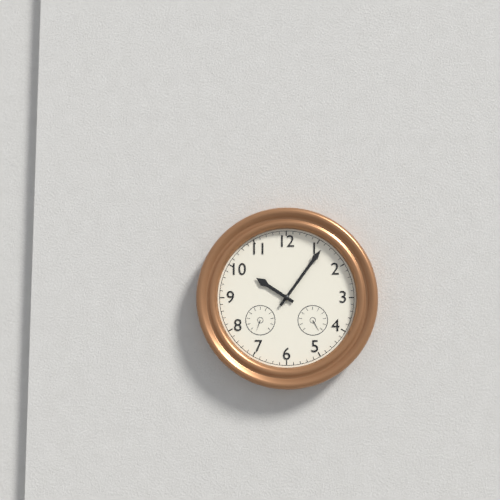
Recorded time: **10:06**
